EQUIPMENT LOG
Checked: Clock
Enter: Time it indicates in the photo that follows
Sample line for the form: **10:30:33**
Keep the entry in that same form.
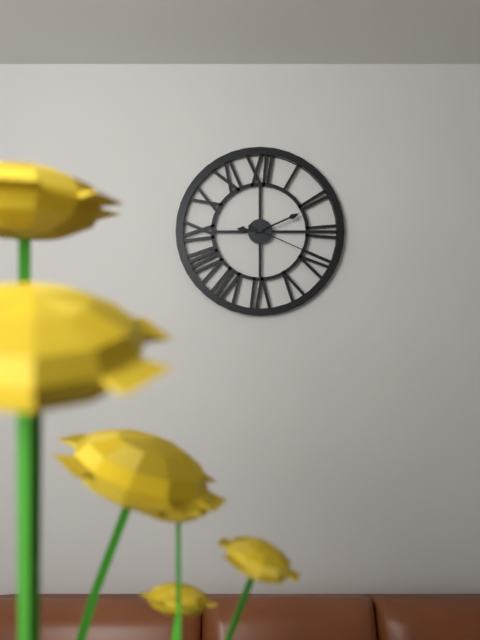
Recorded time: **9:11:19**
